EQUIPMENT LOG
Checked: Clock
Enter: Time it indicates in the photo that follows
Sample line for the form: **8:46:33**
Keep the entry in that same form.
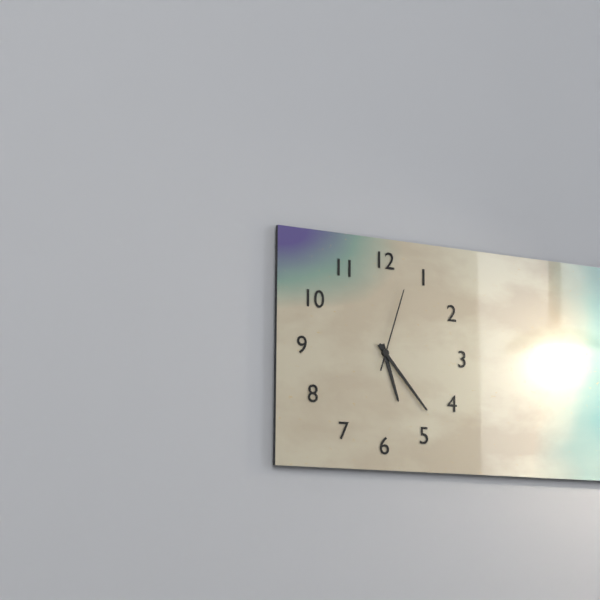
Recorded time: **5:23:03**
